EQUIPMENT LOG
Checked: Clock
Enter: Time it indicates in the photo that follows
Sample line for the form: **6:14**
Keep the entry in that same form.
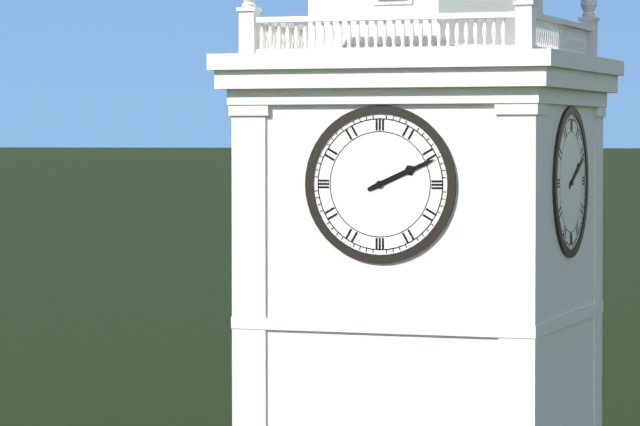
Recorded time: **2:11**
